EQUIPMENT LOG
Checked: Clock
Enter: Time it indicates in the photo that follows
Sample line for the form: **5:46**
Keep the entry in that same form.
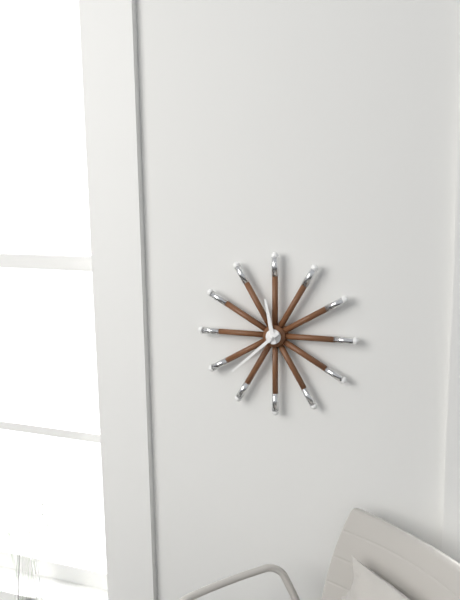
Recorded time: **11:38**
